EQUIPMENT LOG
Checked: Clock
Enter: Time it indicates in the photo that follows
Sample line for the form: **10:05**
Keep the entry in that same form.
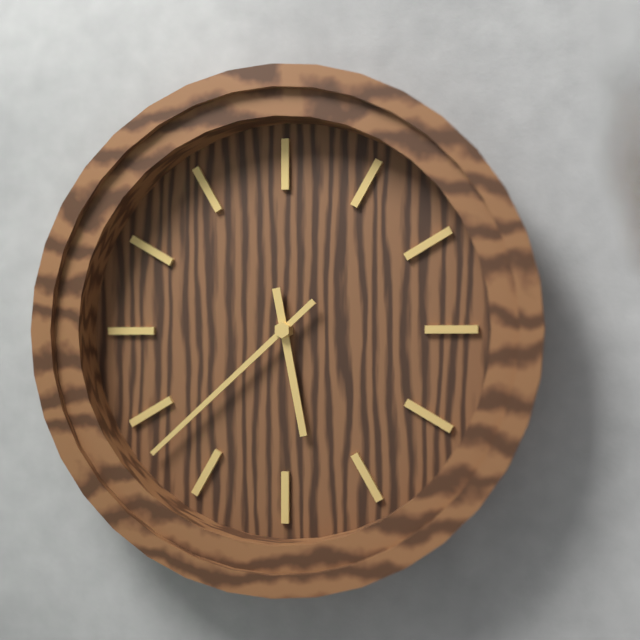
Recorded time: **5:38**
